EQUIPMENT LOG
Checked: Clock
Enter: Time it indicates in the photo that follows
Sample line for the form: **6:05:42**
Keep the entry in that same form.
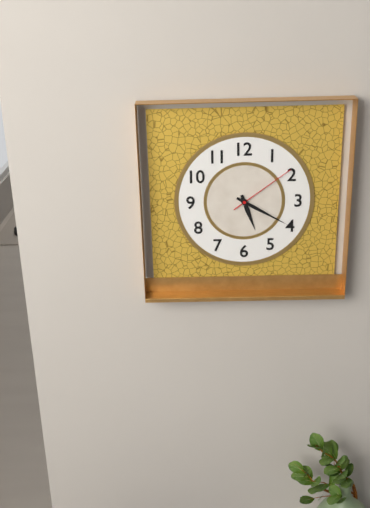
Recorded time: **5:20:09**
